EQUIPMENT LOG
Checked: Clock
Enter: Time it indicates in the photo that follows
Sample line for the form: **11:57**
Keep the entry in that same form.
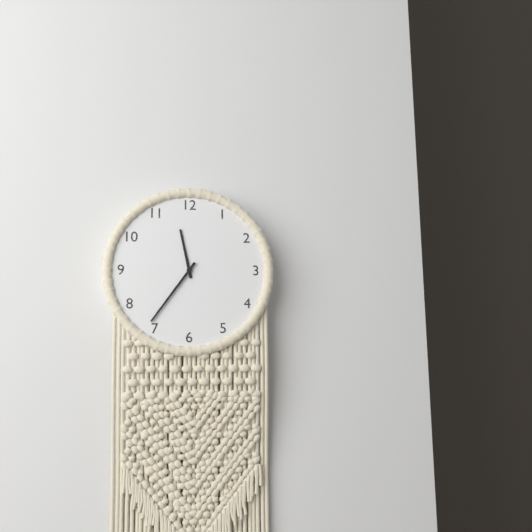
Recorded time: **11:36**
